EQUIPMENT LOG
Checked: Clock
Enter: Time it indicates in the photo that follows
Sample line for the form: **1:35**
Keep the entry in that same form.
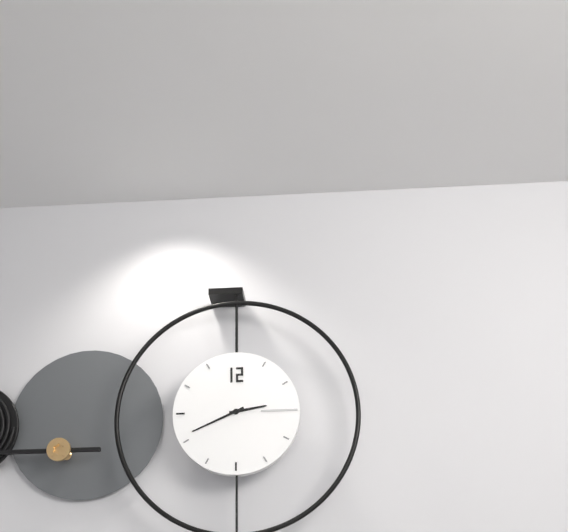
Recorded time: **2:41**
